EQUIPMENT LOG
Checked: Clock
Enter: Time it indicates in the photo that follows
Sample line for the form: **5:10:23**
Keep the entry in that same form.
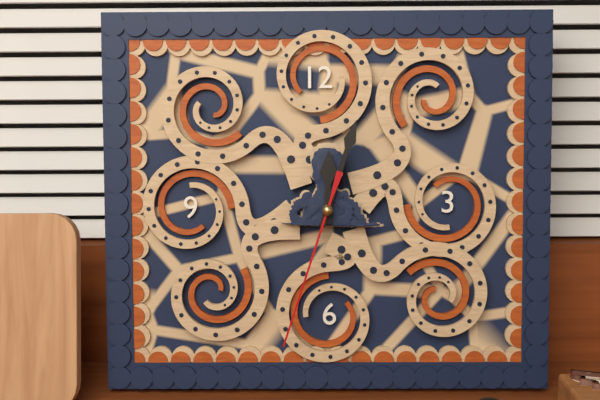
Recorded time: **12:03:33**
